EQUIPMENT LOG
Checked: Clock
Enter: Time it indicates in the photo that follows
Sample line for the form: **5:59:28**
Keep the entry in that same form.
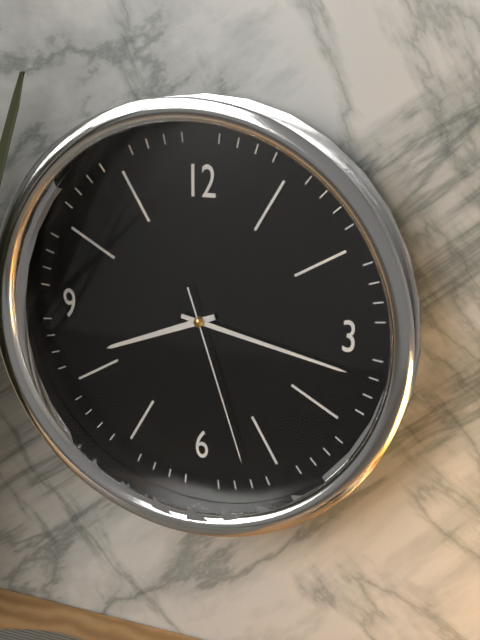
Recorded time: **8:17:27**
